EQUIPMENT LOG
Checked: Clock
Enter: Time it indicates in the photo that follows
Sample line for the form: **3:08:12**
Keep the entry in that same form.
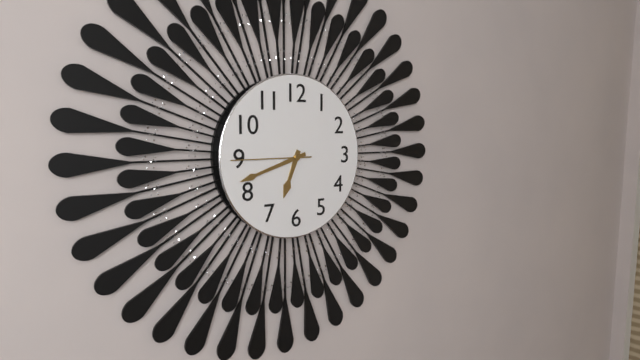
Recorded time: **6:42:45**
